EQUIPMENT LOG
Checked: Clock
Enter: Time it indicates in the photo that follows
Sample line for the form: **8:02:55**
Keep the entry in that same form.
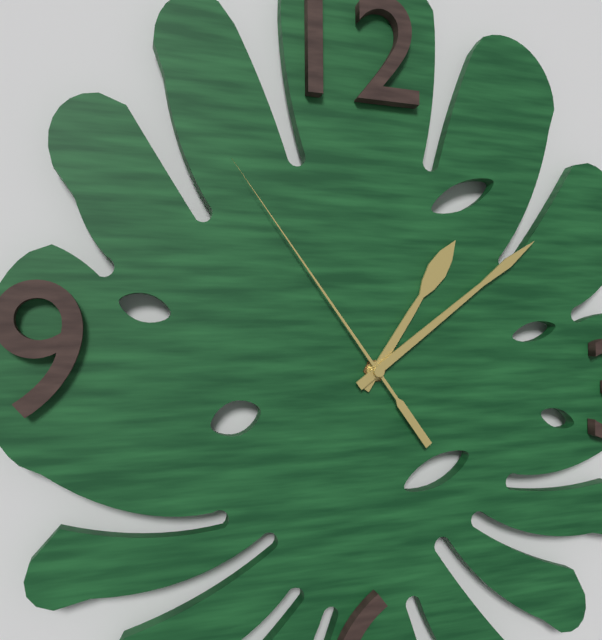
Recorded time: **1:09:54**
